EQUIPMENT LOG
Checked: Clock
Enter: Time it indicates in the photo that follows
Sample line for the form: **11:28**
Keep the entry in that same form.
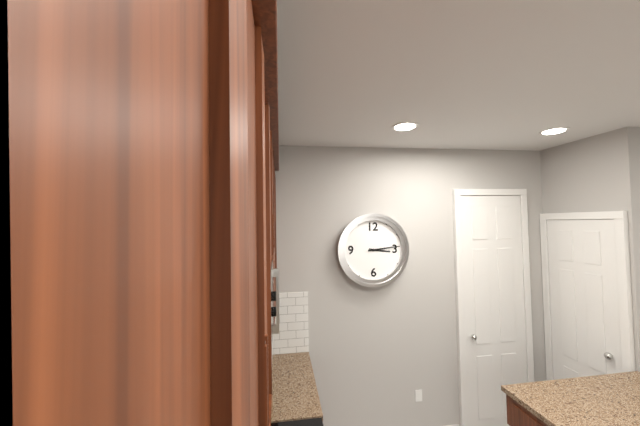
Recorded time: **3:14**
